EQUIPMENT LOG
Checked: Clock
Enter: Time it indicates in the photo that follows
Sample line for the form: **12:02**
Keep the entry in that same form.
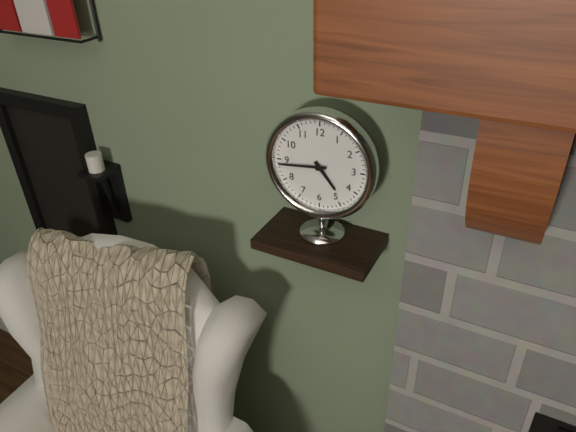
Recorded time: **4:44**
